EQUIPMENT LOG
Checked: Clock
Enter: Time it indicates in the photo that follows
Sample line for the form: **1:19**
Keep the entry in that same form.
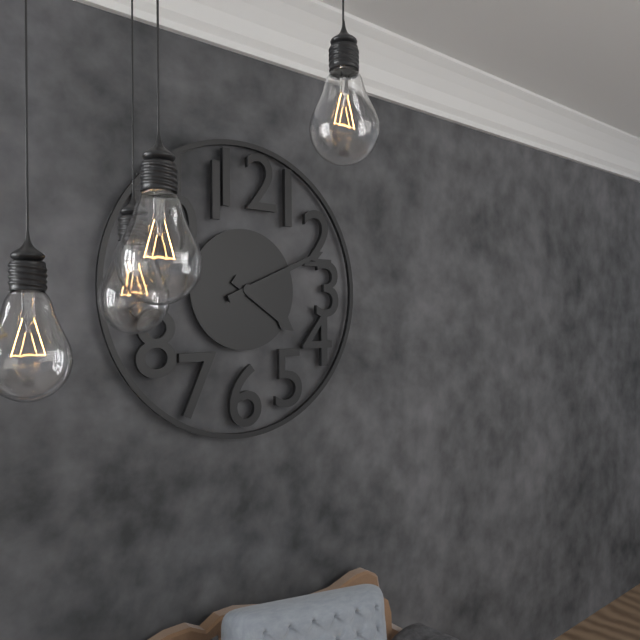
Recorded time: **4:11**
